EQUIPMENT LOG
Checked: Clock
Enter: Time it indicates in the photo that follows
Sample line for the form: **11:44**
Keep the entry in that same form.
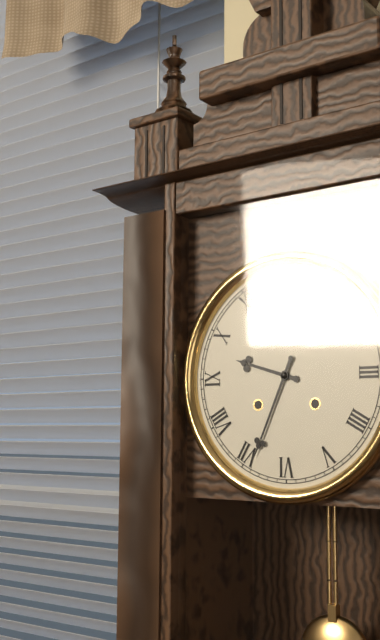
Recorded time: **9:34**
